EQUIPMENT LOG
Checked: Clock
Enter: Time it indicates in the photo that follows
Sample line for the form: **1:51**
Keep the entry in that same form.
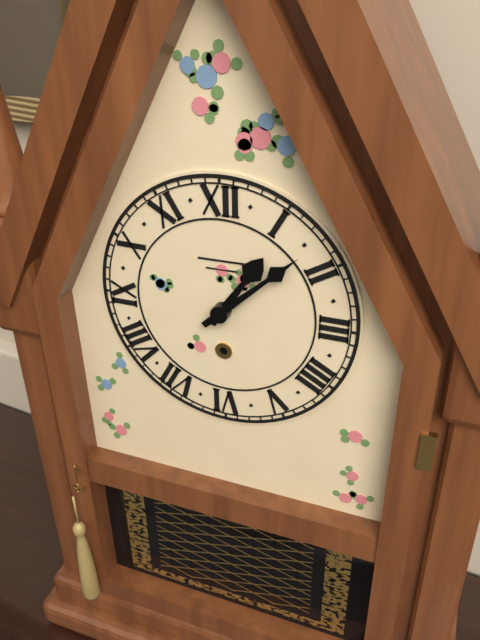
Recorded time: **1:08**
